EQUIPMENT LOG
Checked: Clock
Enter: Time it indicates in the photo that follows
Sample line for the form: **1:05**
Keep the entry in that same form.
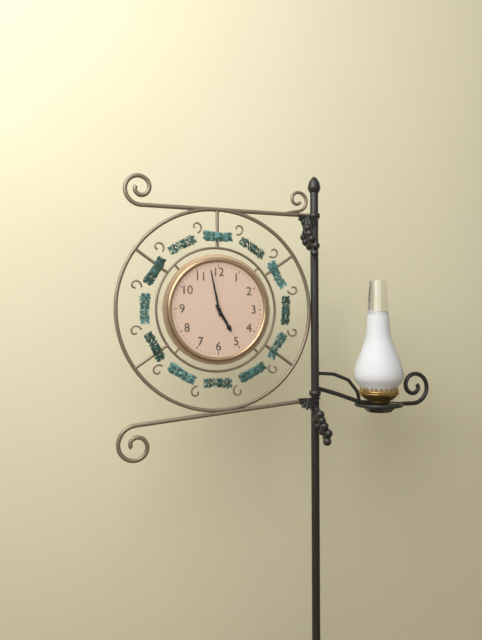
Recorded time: **4:58**
